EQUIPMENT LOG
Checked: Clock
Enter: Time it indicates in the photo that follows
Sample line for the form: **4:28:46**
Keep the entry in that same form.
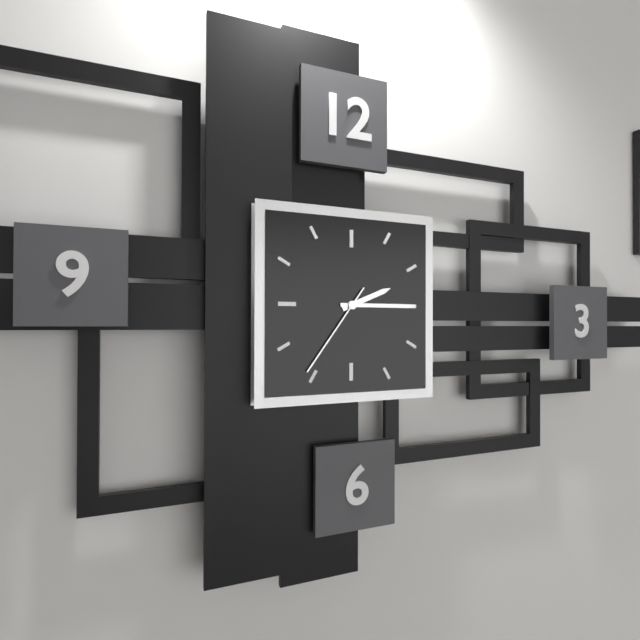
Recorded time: **2:15:36**
